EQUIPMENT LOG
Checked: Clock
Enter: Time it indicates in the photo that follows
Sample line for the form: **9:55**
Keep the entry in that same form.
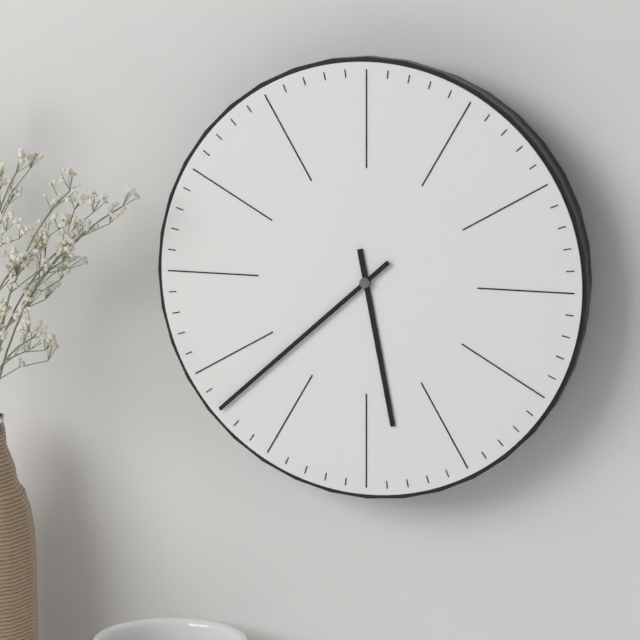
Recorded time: **5:38**
